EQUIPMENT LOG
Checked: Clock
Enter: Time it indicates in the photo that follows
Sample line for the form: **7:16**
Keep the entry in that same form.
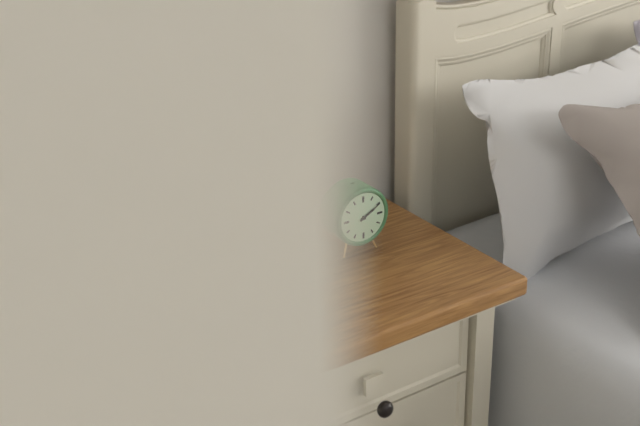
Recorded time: **2:10**
